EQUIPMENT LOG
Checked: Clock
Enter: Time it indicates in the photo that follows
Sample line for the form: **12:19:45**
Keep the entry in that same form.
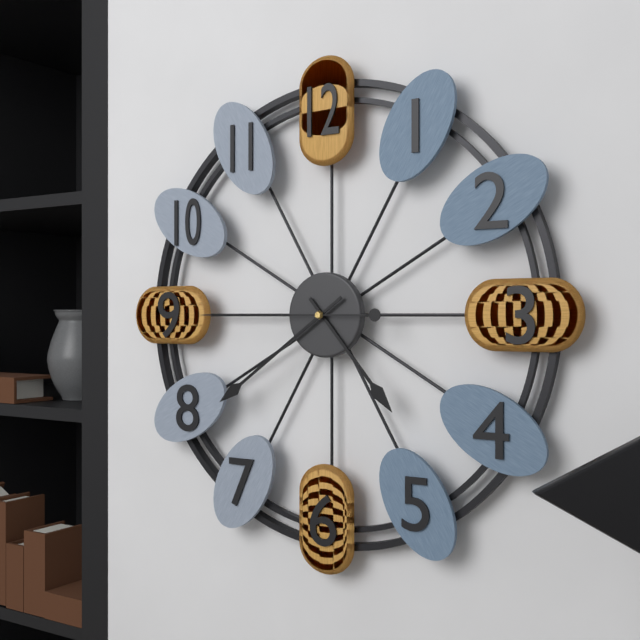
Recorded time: **4:39:45**
